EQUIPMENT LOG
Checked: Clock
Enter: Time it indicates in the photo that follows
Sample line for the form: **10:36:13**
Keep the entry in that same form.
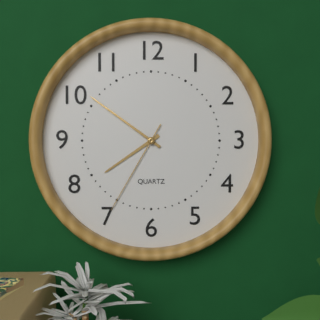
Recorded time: **7:51:35**
